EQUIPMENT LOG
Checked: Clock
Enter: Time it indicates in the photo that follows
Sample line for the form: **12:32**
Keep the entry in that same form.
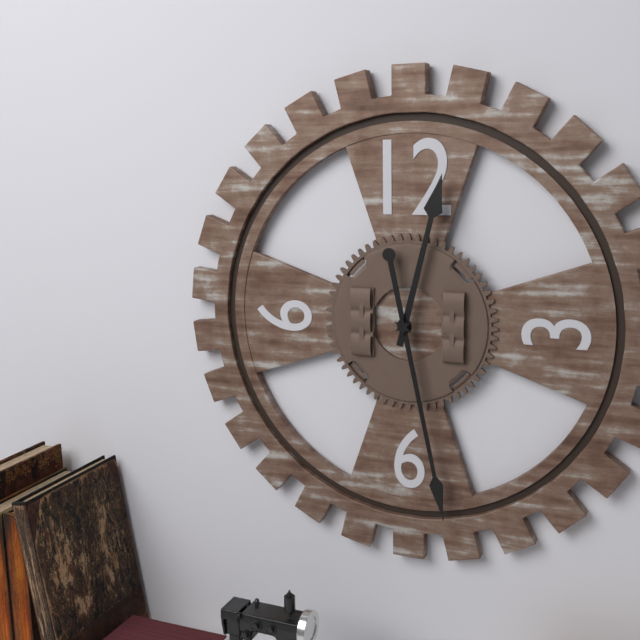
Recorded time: **12:28**
